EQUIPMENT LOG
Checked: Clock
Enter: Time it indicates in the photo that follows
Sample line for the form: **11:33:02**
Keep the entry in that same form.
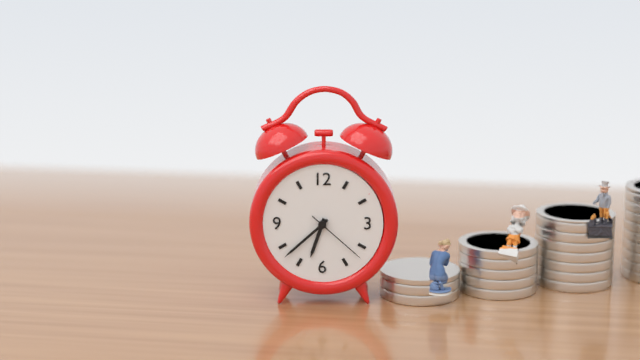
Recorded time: **6:38:22**
